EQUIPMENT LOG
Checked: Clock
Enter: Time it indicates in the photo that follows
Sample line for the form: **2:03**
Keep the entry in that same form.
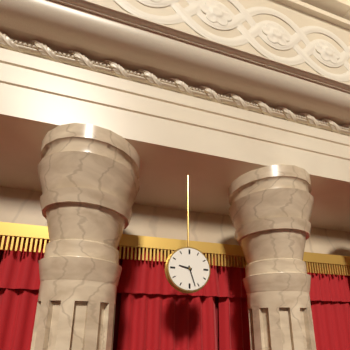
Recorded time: **9:27**
